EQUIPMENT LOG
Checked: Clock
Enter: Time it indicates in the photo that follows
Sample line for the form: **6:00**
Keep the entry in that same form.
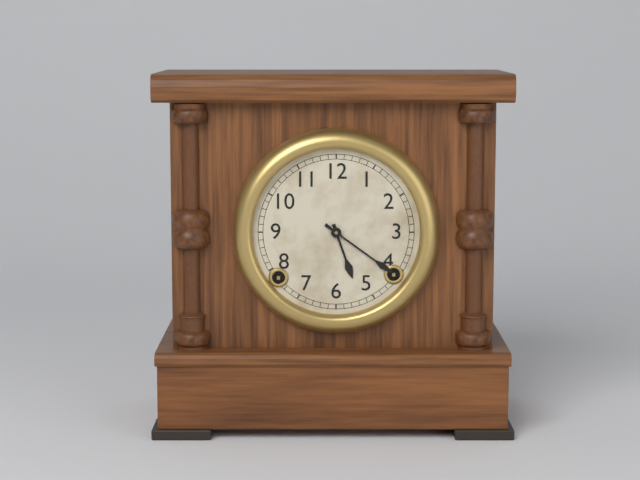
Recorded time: **5:21**
